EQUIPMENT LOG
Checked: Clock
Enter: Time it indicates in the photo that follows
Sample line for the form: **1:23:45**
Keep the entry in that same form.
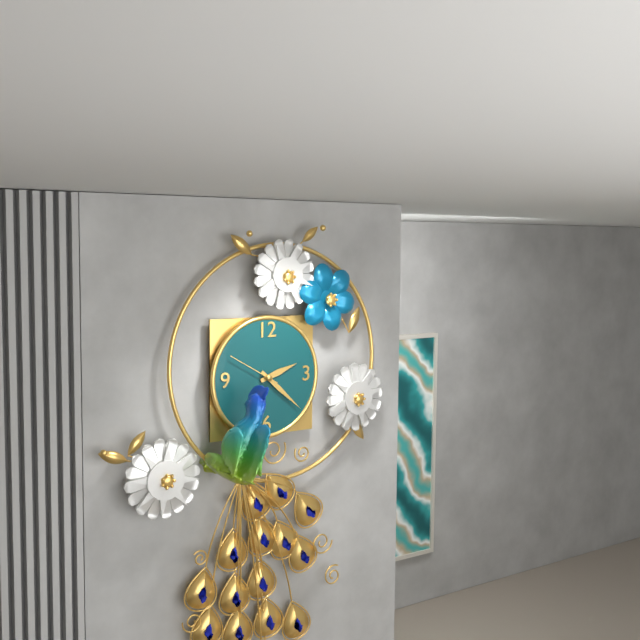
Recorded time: **2:22:50**
